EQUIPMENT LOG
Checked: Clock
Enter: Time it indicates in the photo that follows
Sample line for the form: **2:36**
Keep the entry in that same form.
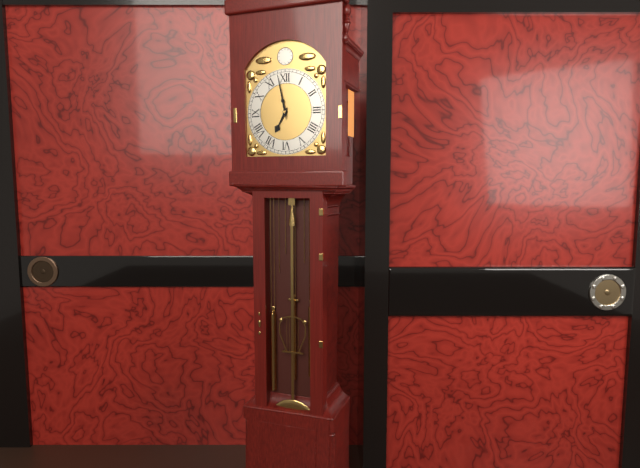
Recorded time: **6:58**
